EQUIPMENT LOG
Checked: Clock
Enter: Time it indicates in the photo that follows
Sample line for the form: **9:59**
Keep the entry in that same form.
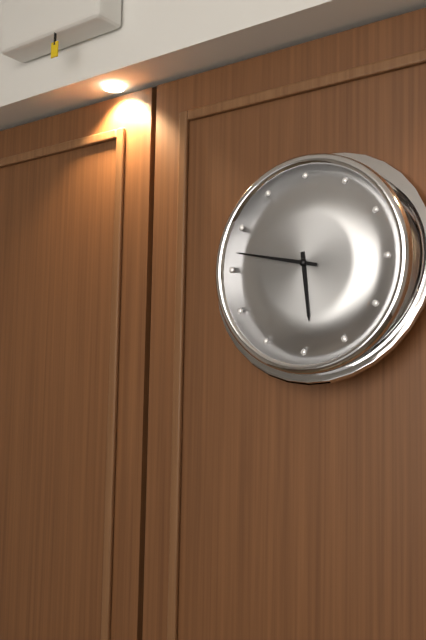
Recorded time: **5:47**
